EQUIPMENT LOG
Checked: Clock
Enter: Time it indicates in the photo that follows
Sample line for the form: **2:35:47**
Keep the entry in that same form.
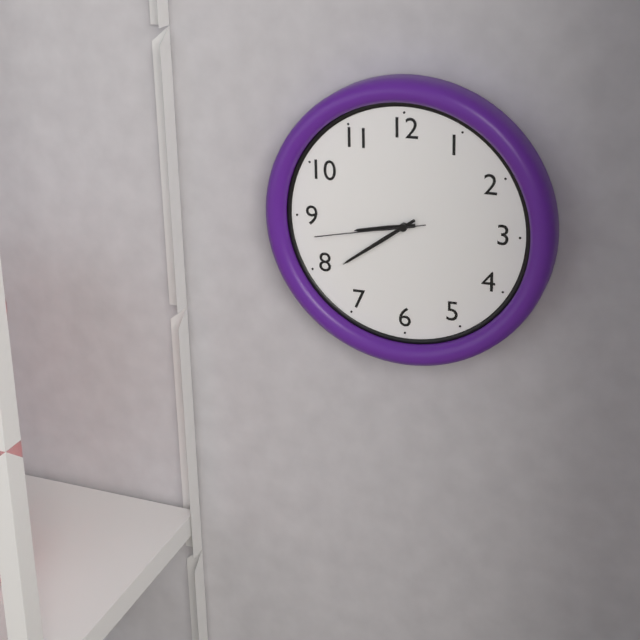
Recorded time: **8:39:43**
